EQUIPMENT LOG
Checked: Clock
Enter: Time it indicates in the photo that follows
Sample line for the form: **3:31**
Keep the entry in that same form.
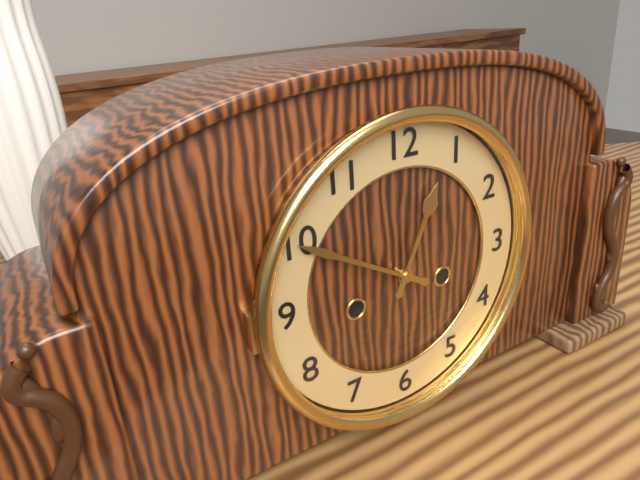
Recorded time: **12:50**
